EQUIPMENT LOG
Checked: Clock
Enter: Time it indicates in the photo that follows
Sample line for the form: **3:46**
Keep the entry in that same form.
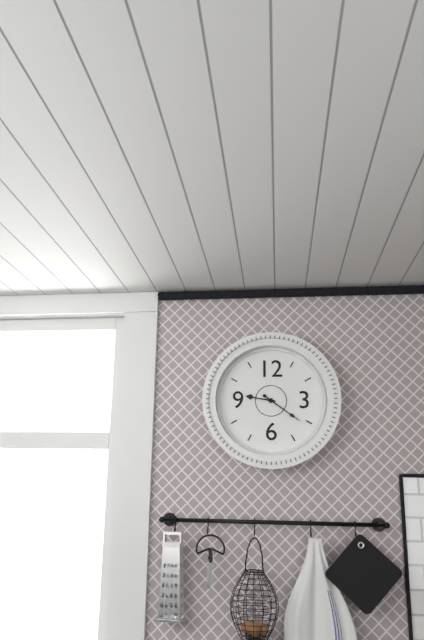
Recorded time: **9:21**
